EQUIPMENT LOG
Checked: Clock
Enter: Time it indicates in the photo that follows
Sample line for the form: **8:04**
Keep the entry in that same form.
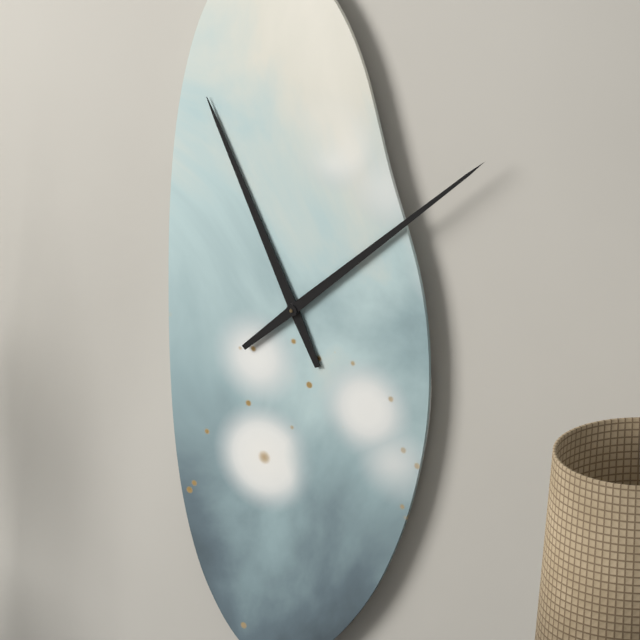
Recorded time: **11:08**
